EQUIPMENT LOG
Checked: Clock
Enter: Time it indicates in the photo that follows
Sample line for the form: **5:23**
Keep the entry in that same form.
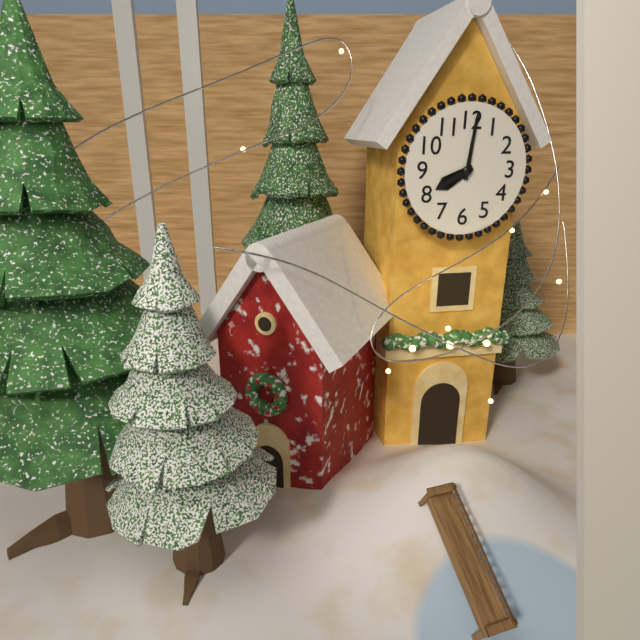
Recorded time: **8:01**
